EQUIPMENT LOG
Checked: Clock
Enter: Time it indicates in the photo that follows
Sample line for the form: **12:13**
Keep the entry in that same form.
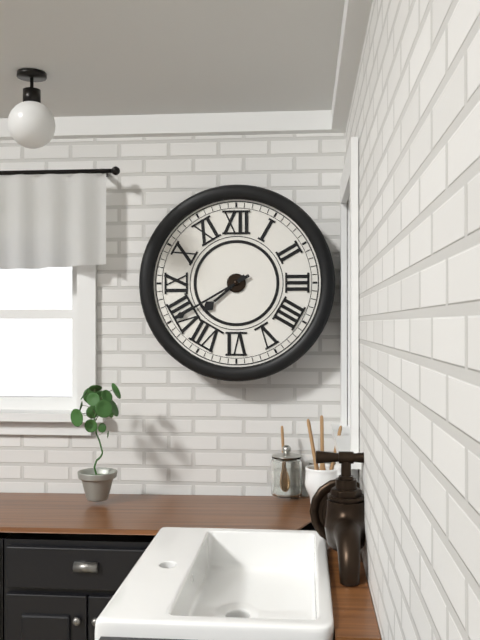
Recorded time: **7:40**
